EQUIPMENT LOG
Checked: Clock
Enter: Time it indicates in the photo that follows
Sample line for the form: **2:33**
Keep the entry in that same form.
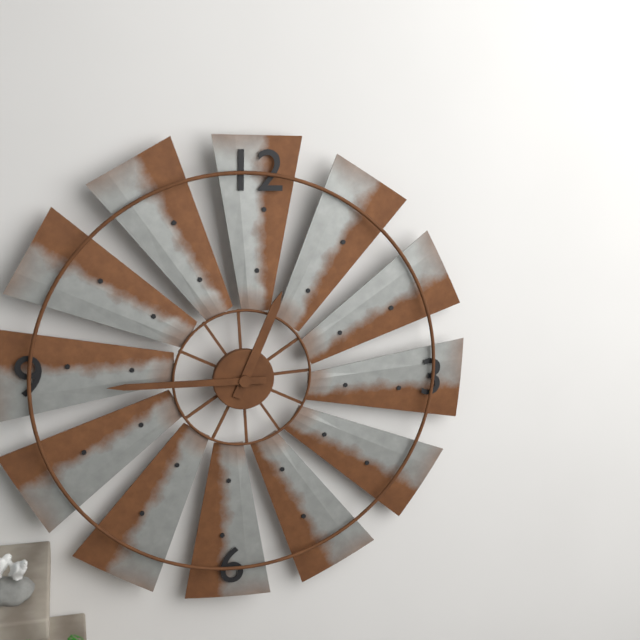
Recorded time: **12:45**
